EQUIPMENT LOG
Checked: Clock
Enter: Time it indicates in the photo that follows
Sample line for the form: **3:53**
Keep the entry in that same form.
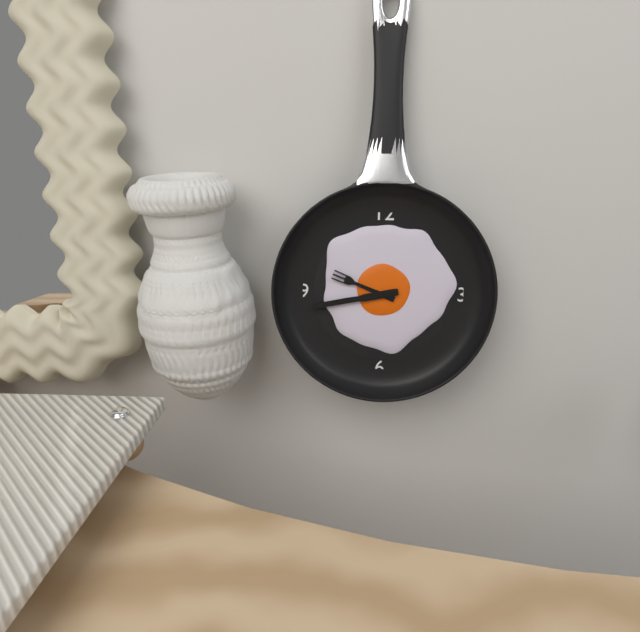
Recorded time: **9:43**
